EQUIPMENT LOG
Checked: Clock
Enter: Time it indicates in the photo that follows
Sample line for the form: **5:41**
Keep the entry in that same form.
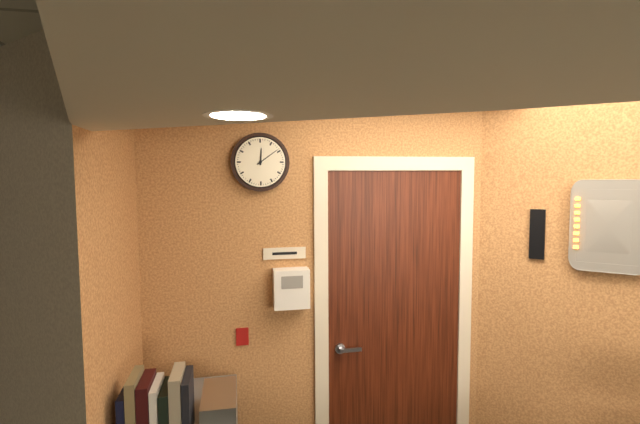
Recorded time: **12:09**
